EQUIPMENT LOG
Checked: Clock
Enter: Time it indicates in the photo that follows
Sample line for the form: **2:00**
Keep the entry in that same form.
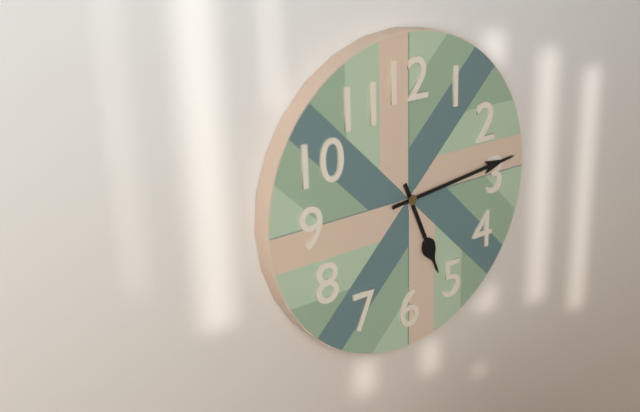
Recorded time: **5:14**
